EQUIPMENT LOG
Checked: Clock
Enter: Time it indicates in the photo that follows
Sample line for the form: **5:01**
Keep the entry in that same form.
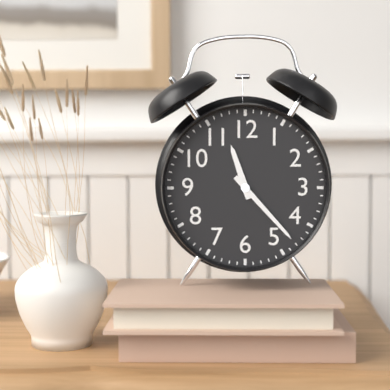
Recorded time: **11:23**
